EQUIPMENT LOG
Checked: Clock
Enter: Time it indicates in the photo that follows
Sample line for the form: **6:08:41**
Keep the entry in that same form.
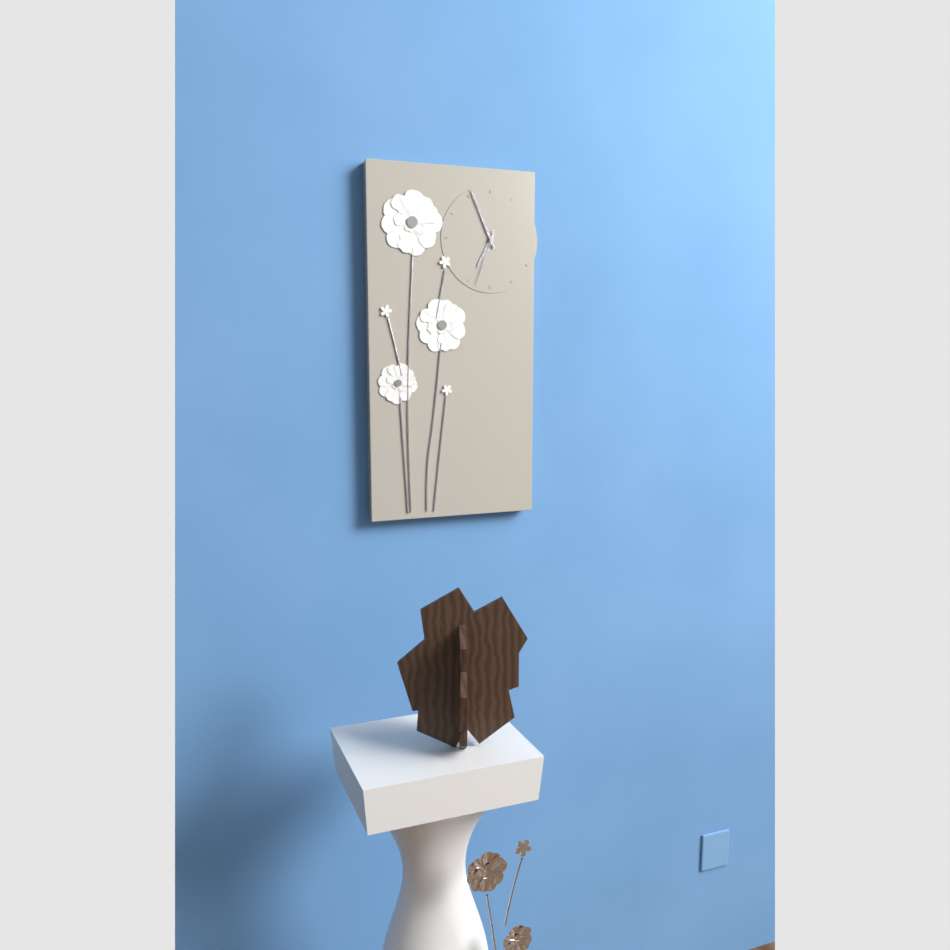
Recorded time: **6:56:33**
